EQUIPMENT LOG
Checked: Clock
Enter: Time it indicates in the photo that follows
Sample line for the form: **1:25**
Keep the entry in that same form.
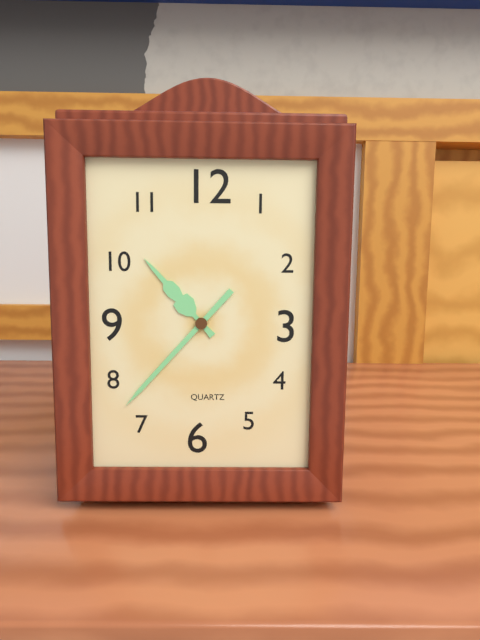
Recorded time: **10:37**
